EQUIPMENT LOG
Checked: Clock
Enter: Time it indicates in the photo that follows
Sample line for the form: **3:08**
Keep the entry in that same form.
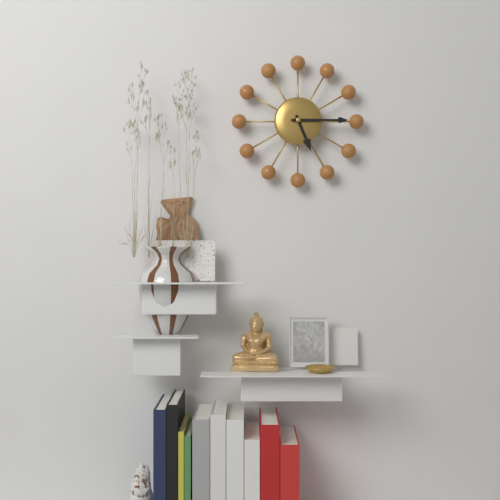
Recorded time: **5:15**
